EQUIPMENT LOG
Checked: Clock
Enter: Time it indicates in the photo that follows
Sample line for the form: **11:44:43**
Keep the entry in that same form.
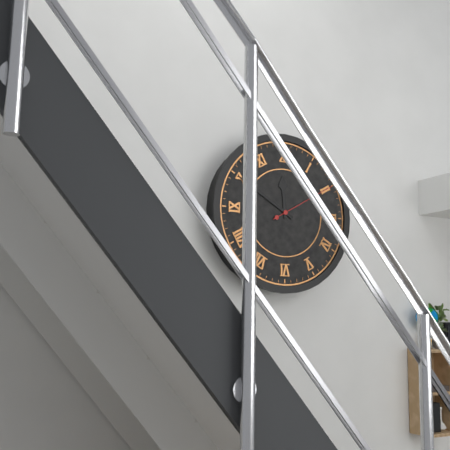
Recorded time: **11:50:10**
